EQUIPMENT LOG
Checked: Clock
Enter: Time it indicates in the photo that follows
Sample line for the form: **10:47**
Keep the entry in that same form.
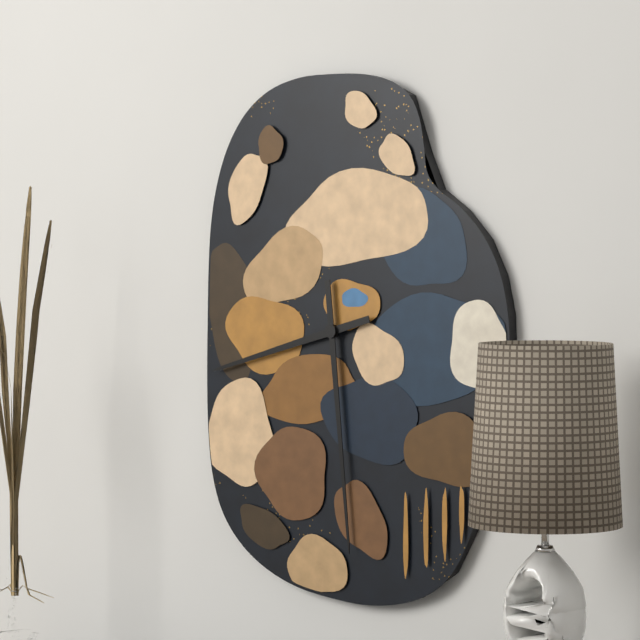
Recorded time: **8:29**
